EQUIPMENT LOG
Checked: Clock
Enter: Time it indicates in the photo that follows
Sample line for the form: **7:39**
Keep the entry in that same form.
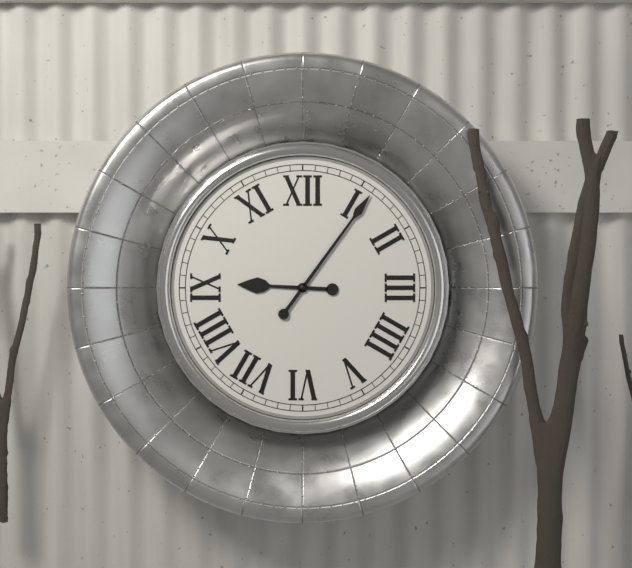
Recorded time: **9:06**
